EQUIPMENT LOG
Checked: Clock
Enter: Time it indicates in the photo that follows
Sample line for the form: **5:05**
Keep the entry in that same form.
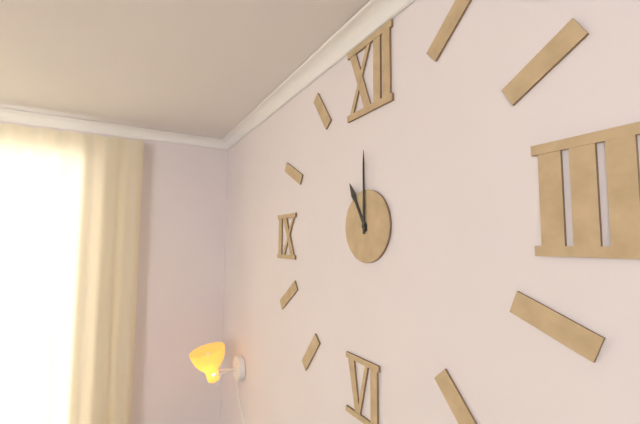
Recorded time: **11:00**
